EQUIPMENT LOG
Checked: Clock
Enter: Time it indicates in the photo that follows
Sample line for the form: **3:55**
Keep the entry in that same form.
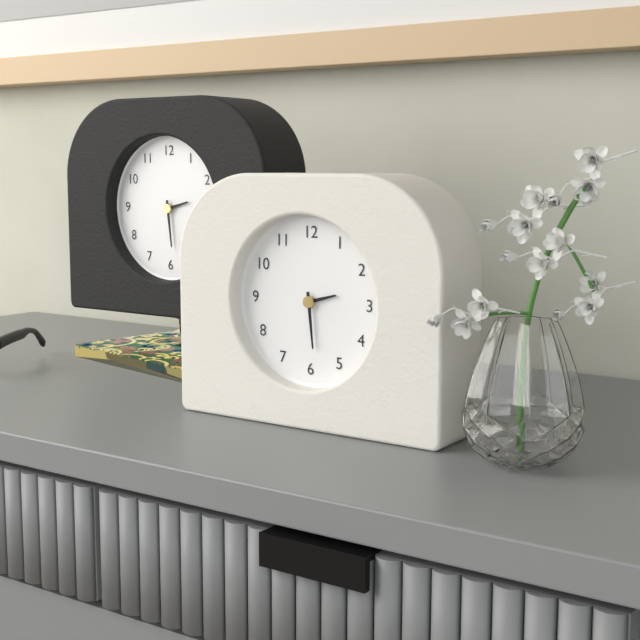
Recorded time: **2:29**
